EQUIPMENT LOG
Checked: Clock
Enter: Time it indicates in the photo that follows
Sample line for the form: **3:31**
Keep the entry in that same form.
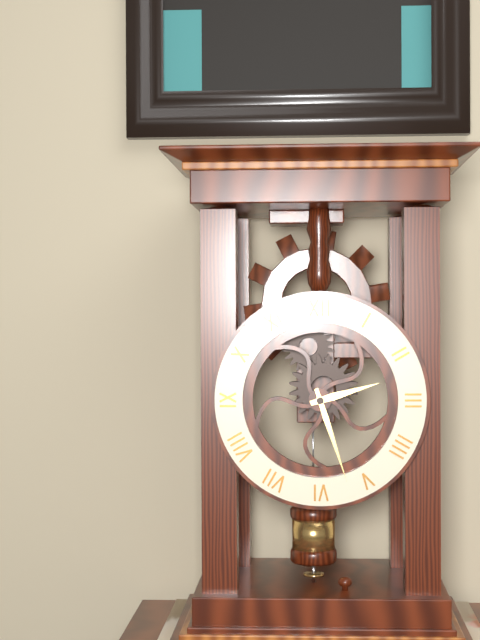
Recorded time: **2:27**
